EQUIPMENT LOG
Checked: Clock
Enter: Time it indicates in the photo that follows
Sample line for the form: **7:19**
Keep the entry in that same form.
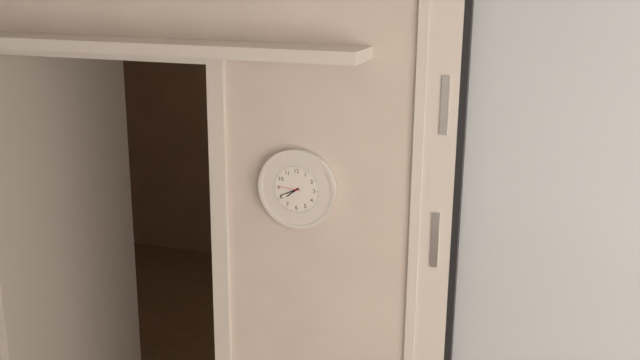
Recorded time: **7:41**
